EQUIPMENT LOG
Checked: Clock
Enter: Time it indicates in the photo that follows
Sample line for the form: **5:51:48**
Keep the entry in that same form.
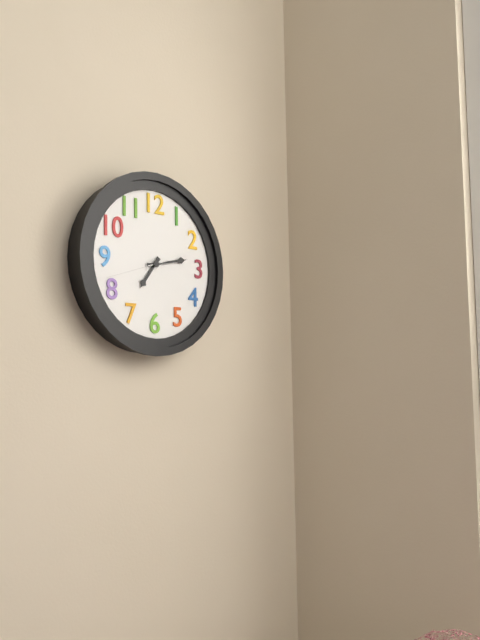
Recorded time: **7:13:42**
